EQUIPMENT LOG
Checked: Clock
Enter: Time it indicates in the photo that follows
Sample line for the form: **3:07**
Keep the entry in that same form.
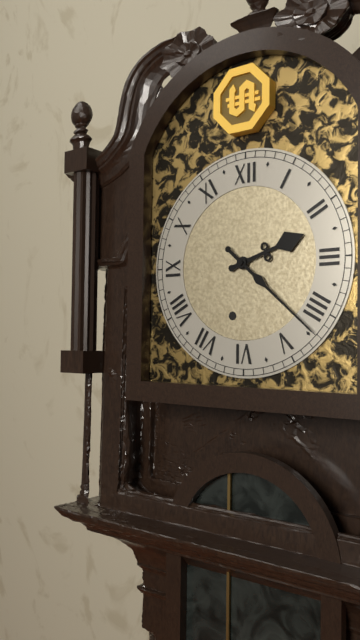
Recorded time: **2:22**
